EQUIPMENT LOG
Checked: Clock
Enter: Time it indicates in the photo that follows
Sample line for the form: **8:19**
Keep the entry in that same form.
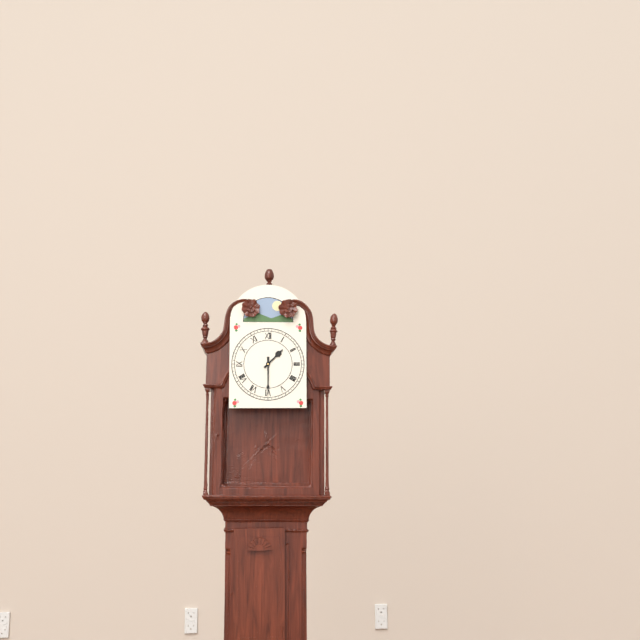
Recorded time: **1:30**
